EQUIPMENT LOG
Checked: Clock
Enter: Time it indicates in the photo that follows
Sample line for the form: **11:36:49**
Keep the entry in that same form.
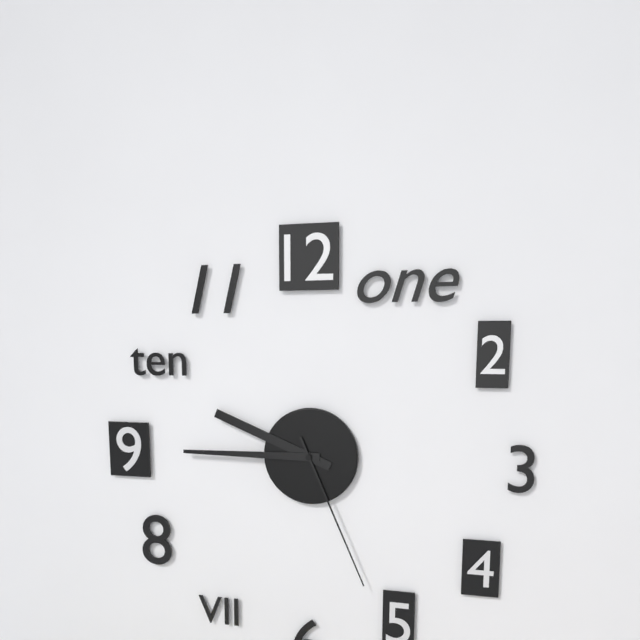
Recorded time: **9:45:26**
